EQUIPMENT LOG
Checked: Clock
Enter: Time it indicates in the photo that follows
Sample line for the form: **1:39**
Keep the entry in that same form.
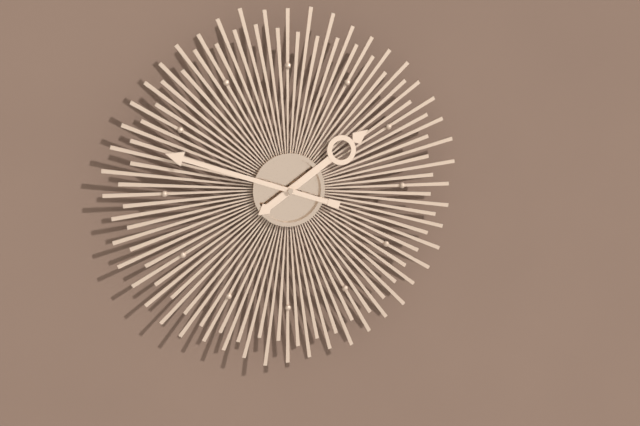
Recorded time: **1:48**
